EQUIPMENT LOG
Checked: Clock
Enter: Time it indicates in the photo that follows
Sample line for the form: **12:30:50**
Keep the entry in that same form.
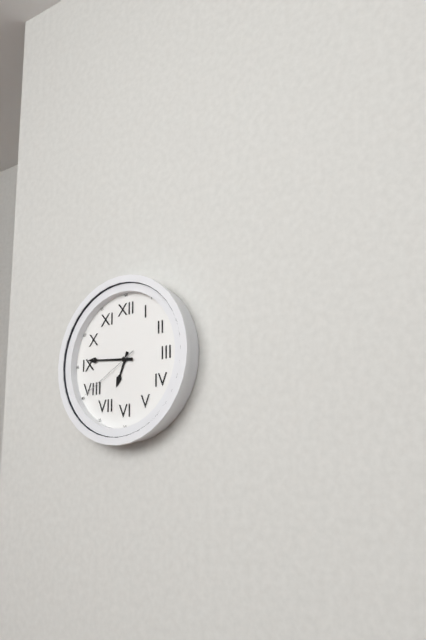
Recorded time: **6:46:40**
